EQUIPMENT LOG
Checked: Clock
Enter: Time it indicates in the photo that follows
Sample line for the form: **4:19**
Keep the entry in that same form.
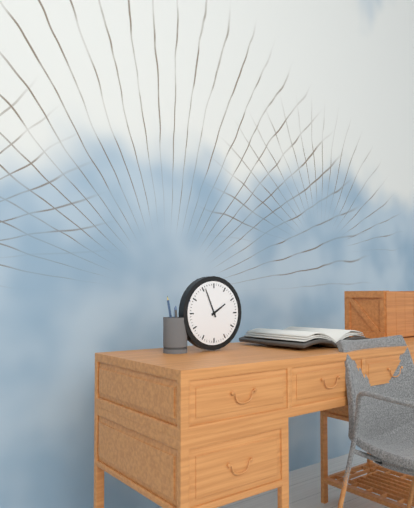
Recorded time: **1:56**
